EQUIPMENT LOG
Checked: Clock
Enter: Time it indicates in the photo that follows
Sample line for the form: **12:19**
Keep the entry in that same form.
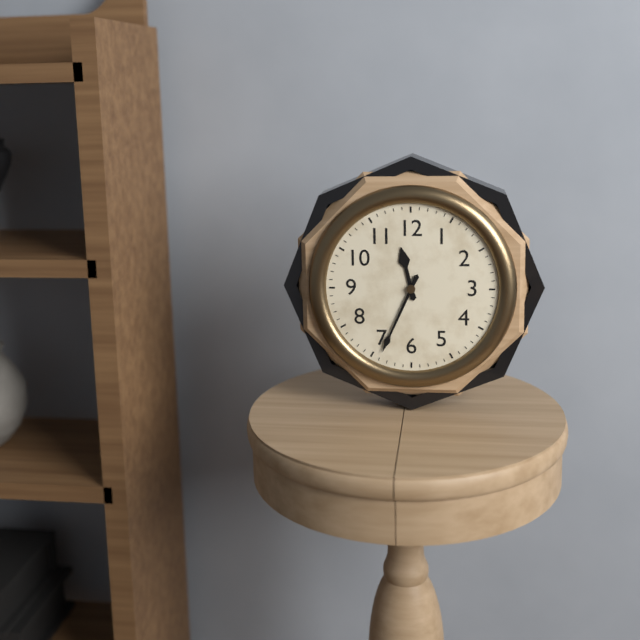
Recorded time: **11:34**
